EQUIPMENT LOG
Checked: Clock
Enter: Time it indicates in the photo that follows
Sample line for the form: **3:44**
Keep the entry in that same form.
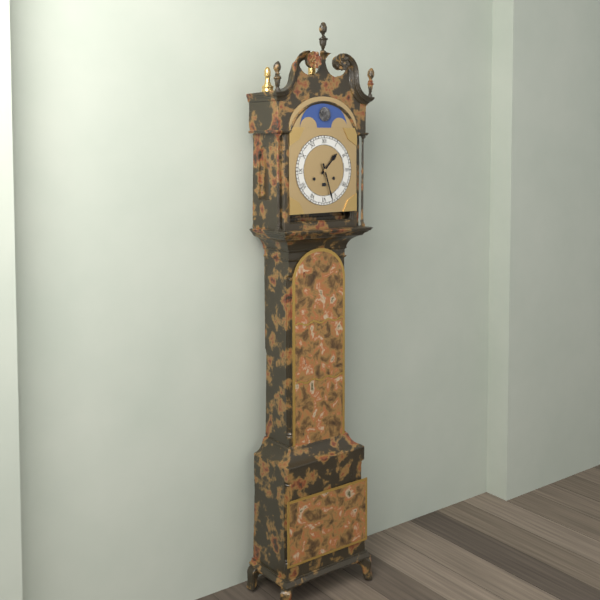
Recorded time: **1:27**
